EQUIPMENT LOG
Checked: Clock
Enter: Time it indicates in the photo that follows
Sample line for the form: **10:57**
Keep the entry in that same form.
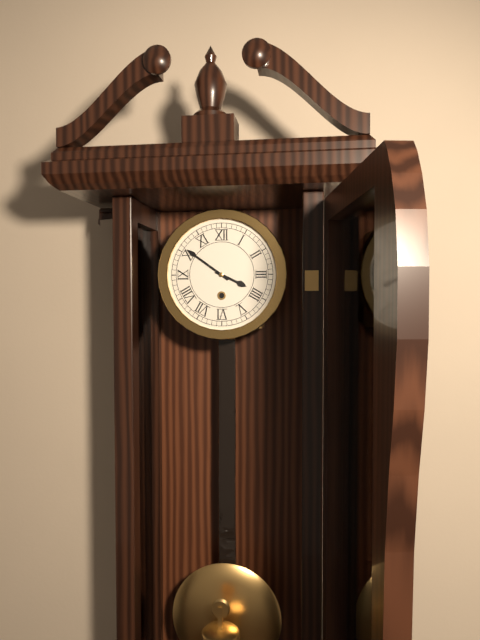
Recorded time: **3:51**
